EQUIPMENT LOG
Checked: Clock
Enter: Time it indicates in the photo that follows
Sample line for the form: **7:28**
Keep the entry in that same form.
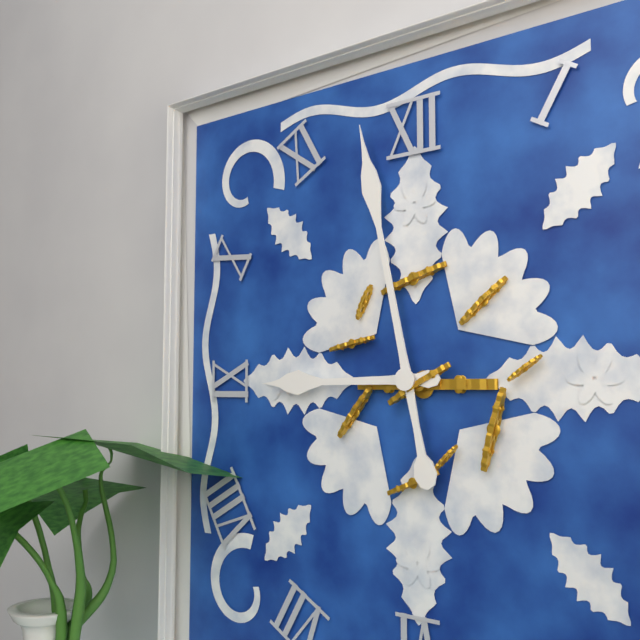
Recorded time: **8:58**
